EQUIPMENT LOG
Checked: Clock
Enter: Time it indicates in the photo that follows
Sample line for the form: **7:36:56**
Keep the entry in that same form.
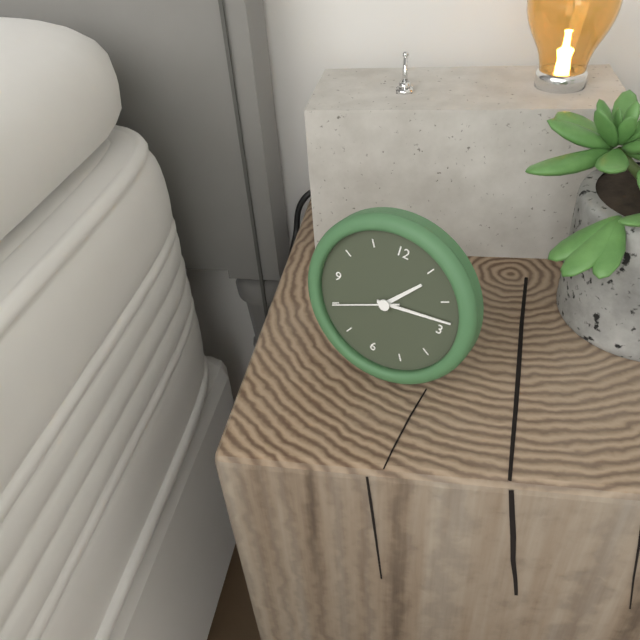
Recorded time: **1:13:40**
